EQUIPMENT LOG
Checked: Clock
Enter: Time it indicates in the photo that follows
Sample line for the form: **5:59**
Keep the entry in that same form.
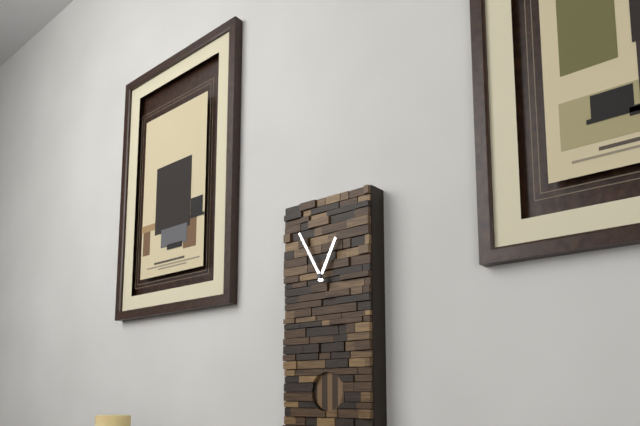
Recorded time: **12:55**
